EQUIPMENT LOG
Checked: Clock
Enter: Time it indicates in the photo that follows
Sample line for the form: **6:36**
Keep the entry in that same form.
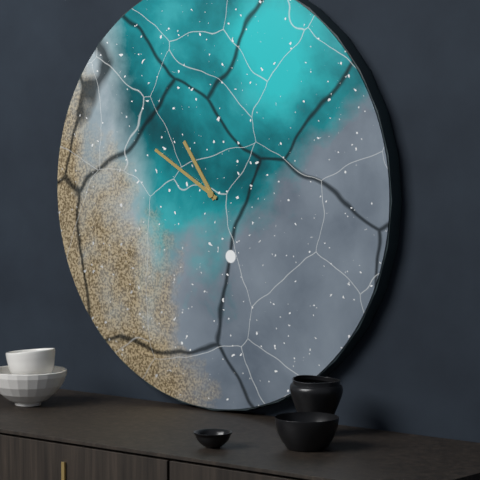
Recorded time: **10:50**
